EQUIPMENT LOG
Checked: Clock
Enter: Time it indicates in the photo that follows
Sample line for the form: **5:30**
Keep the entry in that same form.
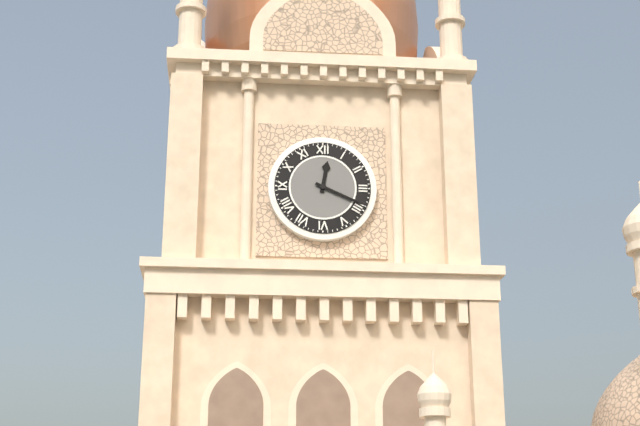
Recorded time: **12:19**
